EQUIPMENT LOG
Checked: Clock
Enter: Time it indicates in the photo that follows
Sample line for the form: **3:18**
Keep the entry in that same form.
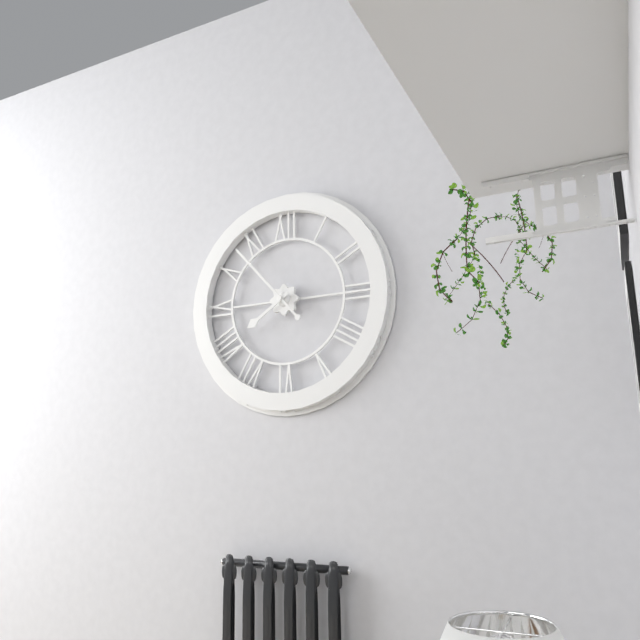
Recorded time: **7:53**
